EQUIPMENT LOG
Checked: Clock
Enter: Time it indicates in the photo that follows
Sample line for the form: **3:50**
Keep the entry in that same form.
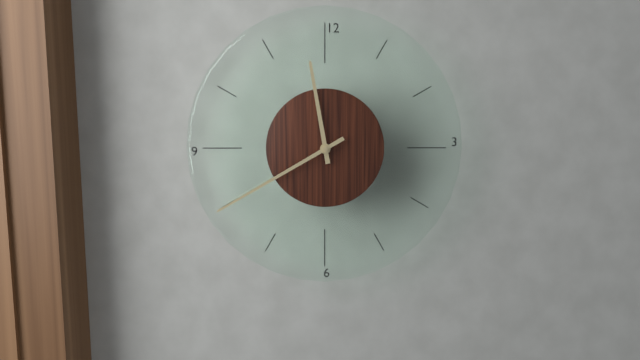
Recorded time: **11:40**
